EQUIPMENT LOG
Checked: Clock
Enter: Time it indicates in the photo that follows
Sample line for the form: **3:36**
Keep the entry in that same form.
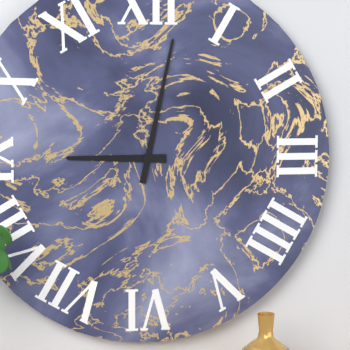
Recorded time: **9:02**
